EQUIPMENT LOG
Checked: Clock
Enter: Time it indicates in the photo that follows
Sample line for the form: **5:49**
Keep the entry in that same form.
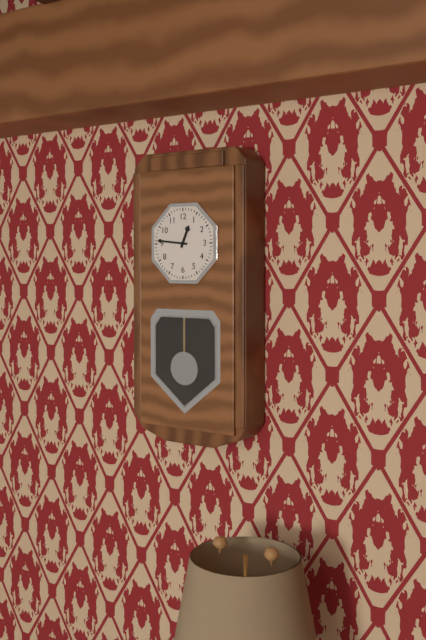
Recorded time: **12:46**
